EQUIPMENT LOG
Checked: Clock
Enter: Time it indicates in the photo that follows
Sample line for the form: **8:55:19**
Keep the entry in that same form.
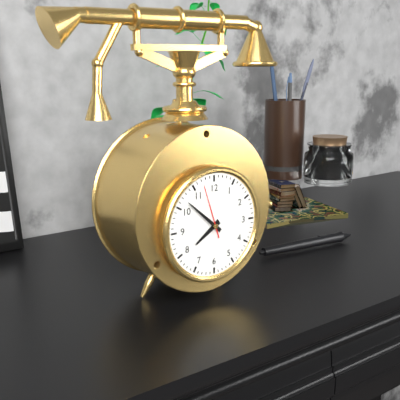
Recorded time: **7:52:57**
